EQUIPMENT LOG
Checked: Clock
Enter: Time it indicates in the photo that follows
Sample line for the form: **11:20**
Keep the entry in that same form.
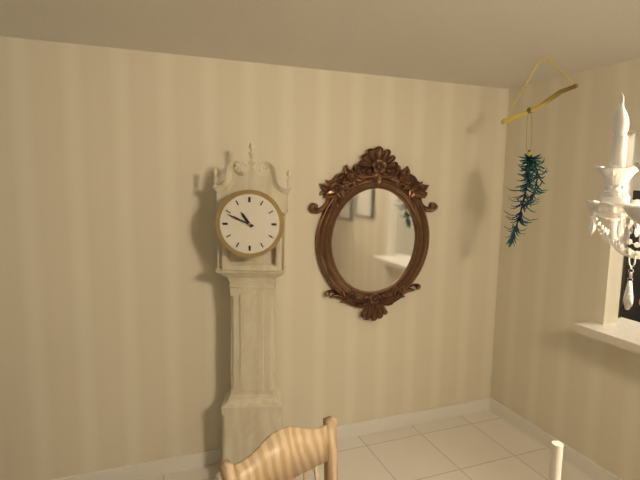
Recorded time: **10:49**
